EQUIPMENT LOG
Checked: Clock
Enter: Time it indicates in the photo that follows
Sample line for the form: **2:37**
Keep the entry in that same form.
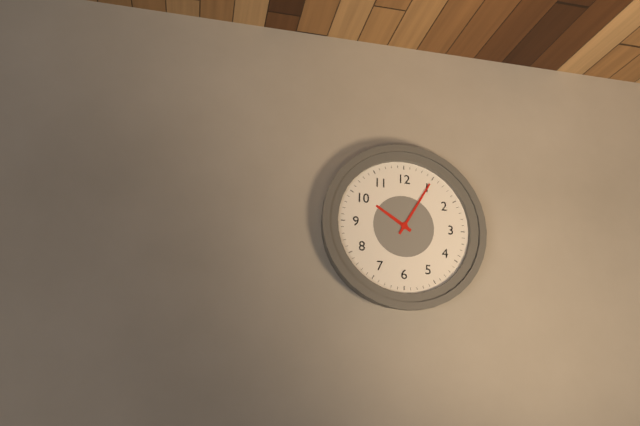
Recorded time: **10:05**
